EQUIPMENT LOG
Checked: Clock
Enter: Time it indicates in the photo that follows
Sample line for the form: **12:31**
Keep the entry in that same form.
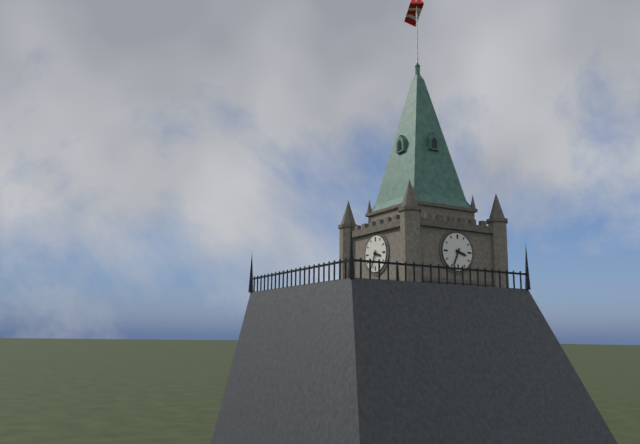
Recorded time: **3:34**
